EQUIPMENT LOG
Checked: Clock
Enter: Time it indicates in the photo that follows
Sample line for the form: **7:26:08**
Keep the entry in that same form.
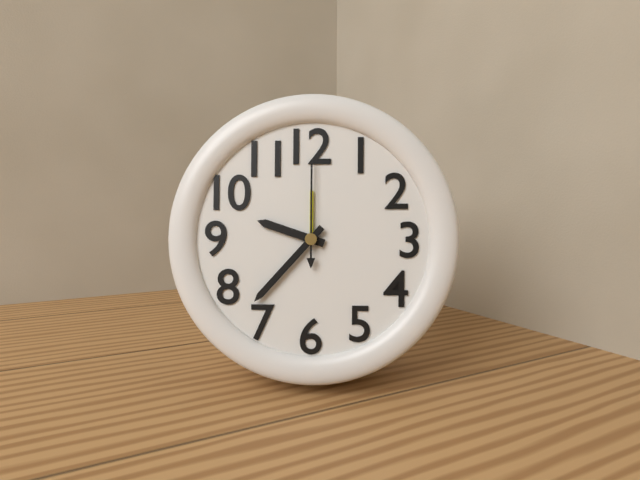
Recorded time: **9:37:00**
